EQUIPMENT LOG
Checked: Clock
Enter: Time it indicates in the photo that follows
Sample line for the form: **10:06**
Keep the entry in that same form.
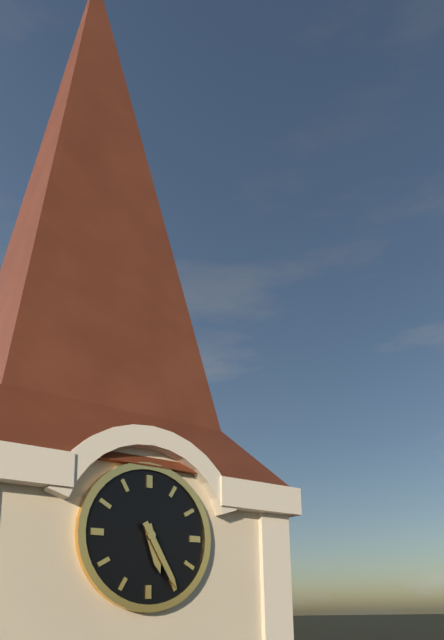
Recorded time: **5:25**
